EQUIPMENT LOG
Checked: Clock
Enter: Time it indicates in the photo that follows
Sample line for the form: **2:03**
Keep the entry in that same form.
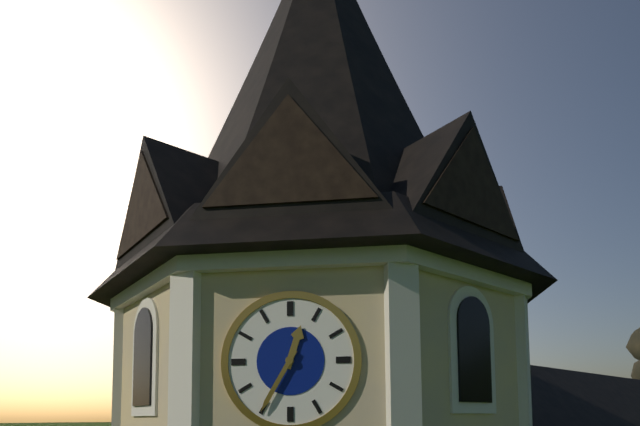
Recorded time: **12:35**
